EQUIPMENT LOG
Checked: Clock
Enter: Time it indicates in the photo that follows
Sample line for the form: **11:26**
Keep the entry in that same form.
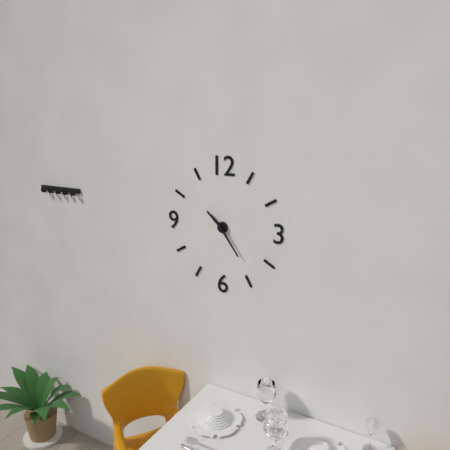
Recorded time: **10:24**
